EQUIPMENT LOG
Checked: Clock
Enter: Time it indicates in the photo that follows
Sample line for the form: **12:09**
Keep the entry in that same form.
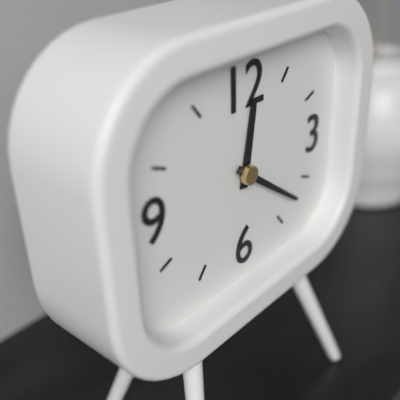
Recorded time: **12:21**
